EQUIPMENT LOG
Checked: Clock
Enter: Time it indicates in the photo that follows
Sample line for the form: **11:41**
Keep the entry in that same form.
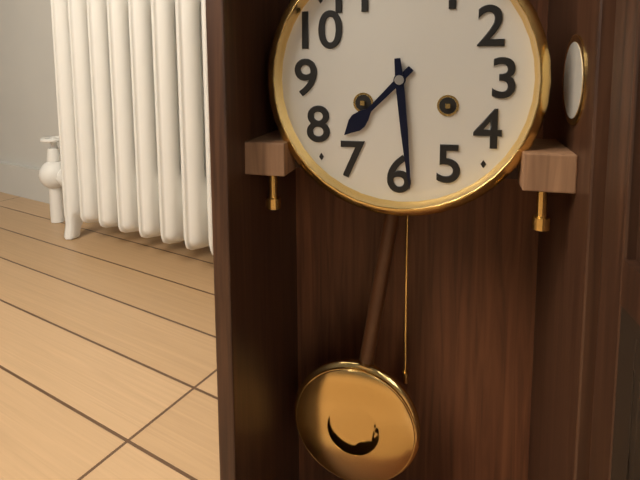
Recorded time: **7:29**
